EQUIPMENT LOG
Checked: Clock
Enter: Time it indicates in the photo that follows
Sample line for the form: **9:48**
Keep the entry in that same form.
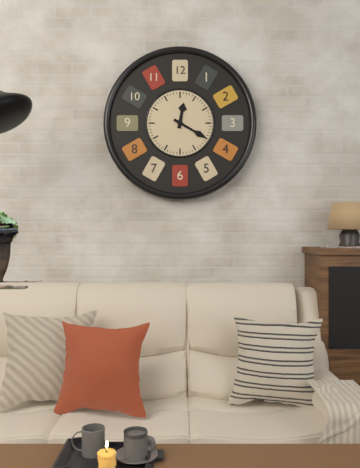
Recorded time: **12:20**
